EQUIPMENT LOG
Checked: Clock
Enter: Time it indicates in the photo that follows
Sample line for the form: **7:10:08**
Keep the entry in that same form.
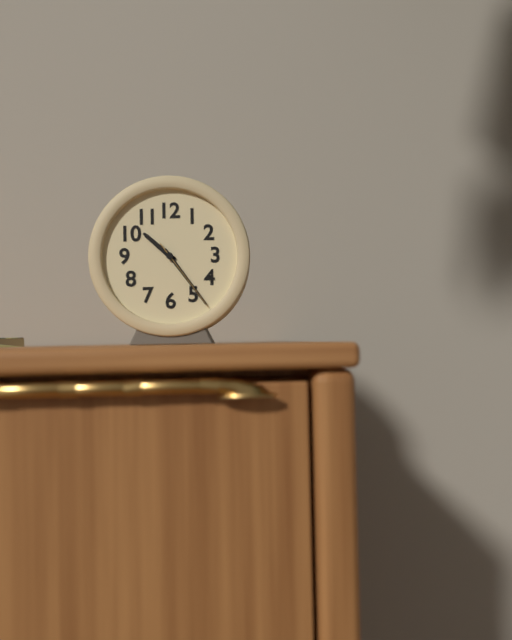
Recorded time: **10:24:24**
